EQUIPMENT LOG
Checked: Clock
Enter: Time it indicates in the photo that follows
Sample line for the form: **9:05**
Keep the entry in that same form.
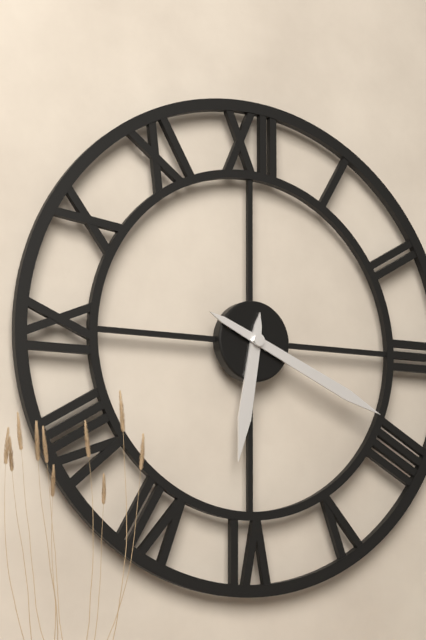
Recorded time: **6:19**
